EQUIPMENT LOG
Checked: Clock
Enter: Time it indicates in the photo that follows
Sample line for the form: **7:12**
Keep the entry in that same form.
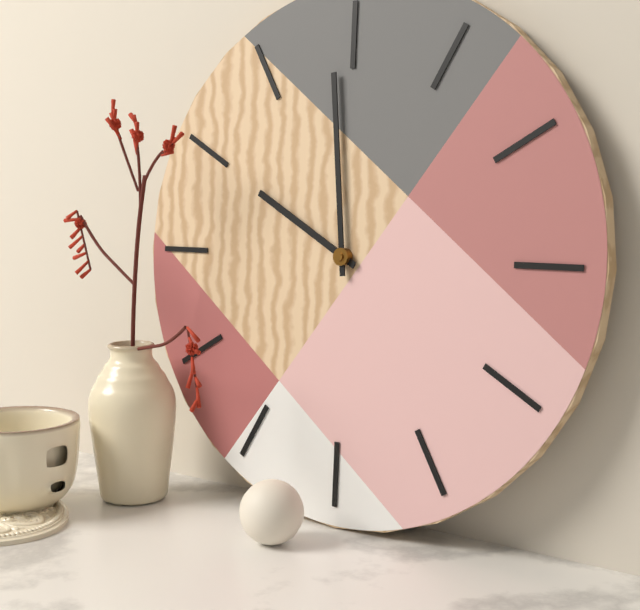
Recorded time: **9:59**
